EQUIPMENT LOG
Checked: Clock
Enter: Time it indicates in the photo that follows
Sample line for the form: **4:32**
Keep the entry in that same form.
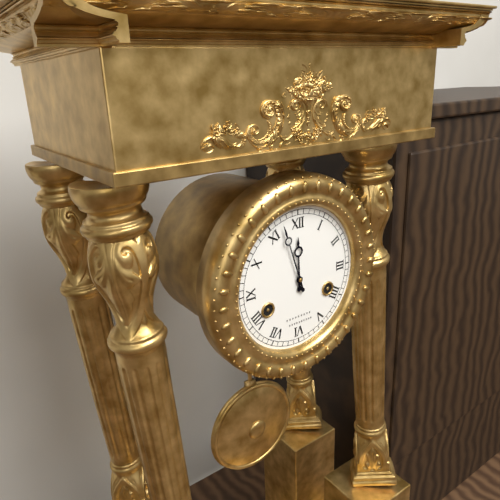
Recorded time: **11:57**
